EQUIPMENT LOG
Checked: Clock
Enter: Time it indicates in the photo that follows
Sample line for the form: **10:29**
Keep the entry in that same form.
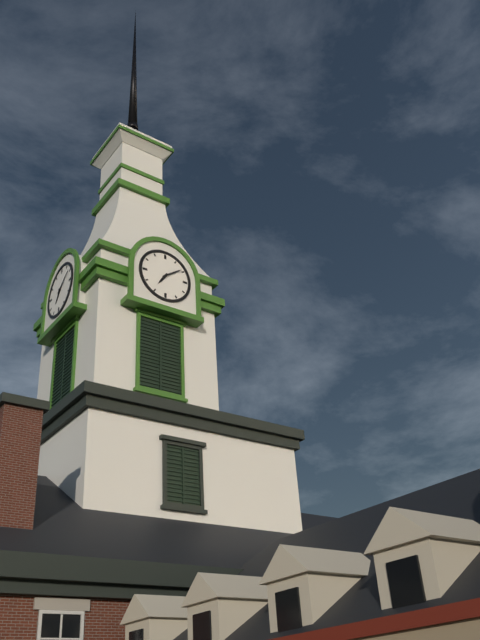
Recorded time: **7:09**
